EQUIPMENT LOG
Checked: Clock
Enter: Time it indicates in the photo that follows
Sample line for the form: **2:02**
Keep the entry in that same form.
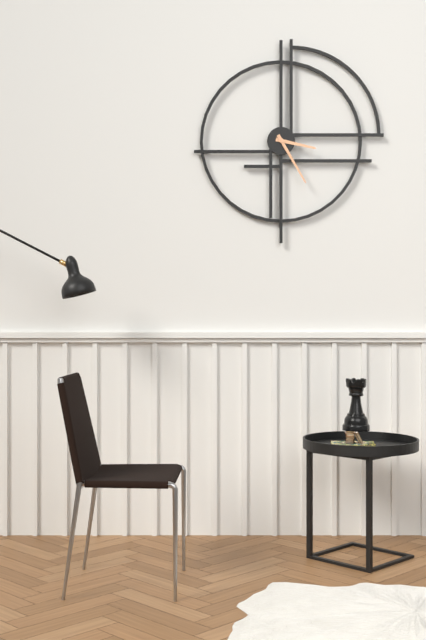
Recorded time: **3:25**
